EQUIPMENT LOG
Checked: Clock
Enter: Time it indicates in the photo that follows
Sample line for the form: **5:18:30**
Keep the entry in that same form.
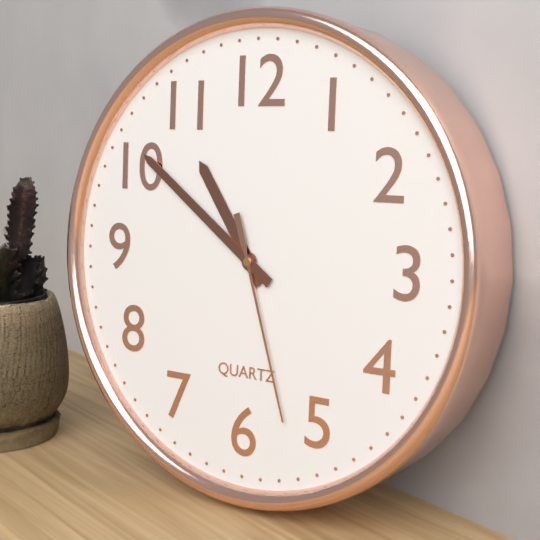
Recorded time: **10:51:27**
